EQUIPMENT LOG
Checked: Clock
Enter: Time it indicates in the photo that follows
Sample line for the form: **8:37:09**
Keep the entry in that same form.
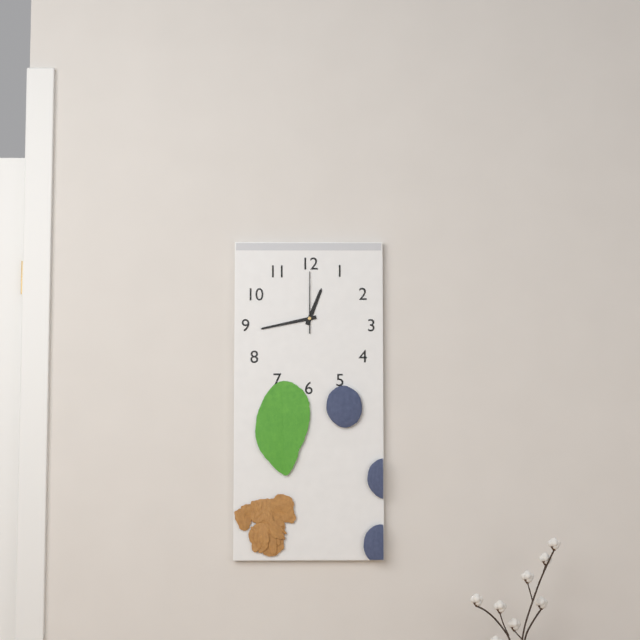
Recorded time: **12:43:00**
